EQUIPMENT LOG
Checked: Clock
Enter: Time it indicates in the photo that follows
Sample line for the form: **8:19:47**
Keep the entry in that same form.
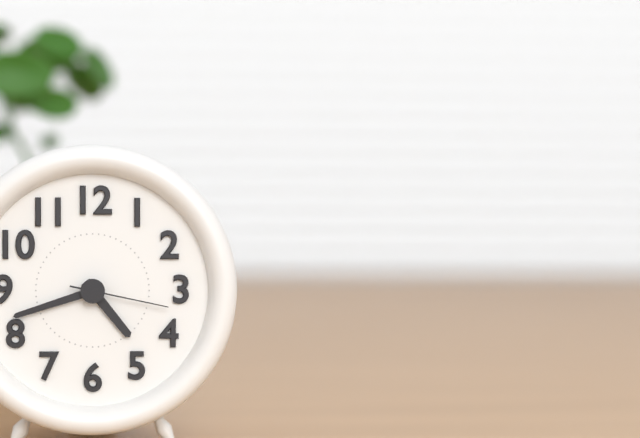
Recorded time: **4:42:17**
